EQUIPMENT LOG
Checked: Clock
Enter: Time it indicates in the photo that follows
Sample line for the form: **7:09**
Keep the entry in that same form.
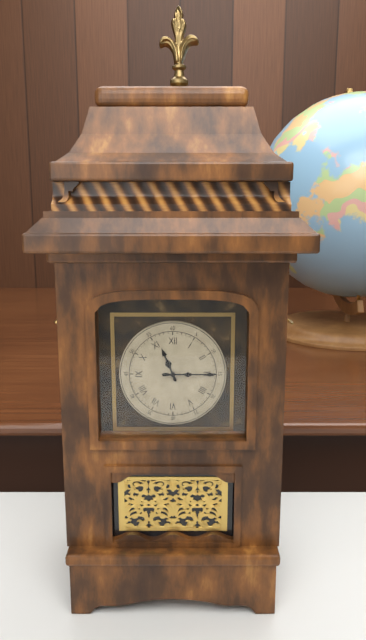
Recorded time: **11:15**
